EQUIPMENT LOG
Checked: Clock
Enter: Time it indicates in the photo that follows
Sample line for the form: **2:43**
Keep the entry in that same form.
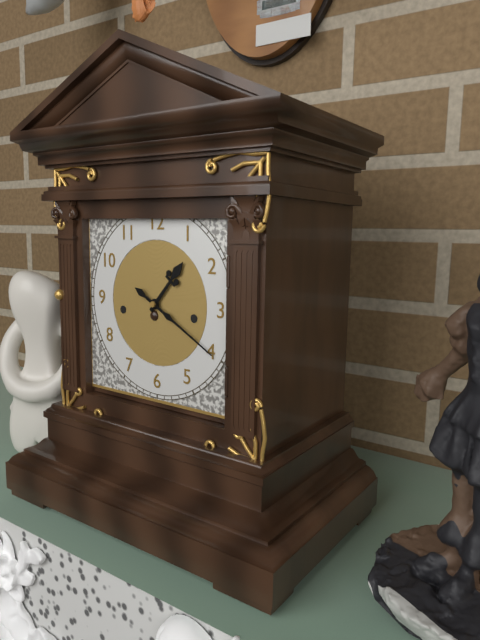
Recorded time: **1:20**
